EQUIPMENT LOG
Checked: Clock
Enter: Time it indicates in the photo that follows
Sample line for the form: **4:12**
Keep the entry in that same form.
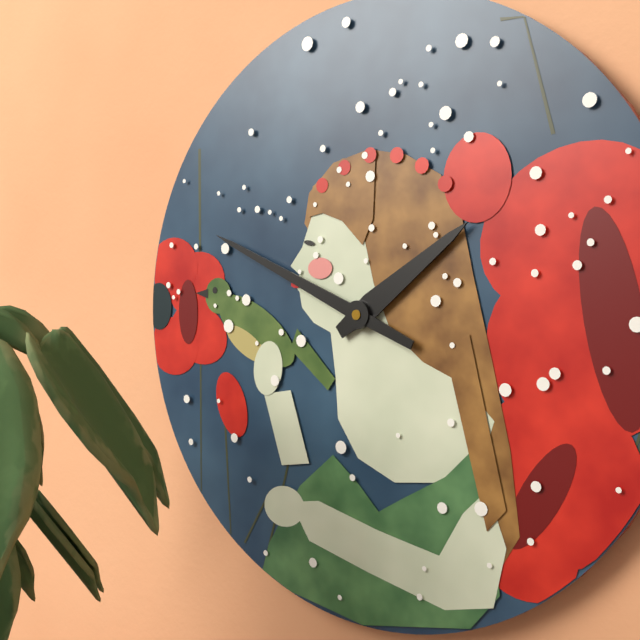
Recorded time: **1:49**
